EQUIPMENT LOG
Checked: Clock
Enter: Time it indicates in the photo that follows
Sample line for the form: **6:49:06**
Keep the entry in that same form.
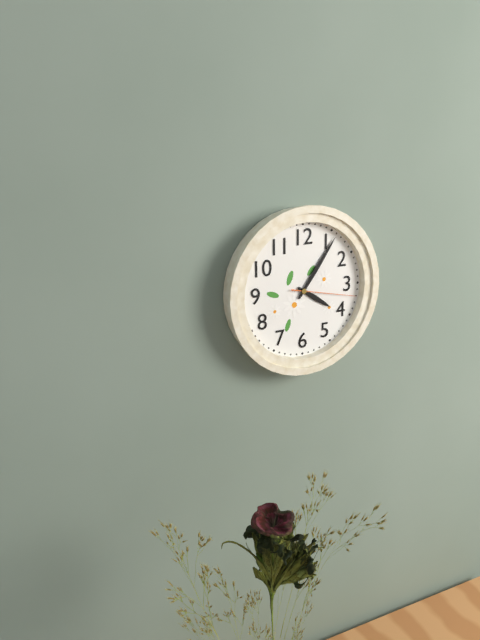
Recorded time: **4:06:17**
